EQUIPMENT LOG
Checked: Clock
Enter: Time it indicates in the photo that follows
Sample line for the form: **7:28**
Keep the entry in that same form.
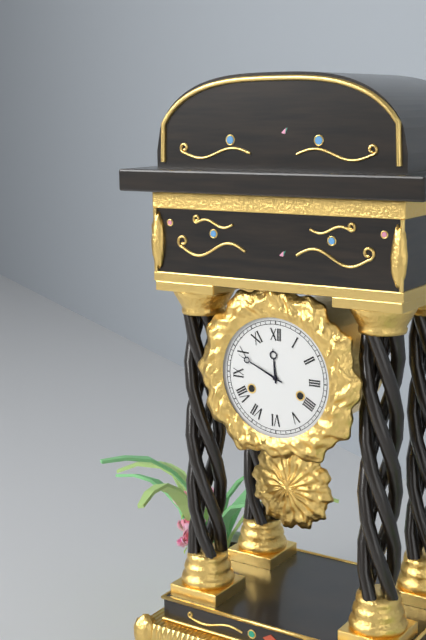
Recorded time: **11:49**
